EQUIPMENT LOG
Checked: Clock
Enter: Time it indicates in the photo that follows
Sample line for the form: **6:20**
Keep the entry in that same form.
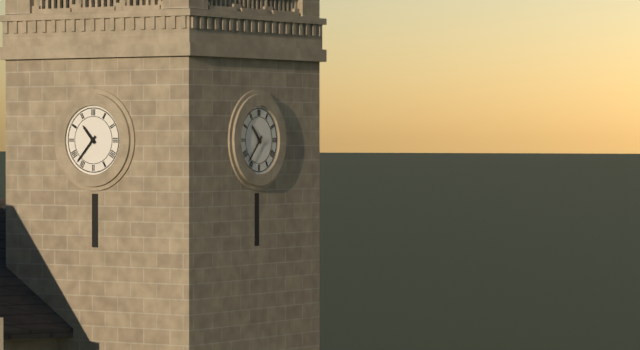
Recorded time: **10:37**
